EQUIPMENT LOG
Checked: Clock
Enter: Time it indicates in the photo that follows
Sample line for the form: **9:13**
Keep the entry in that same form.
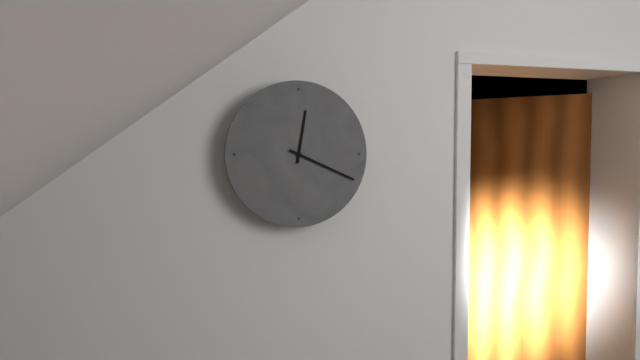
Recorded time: **12:19**
